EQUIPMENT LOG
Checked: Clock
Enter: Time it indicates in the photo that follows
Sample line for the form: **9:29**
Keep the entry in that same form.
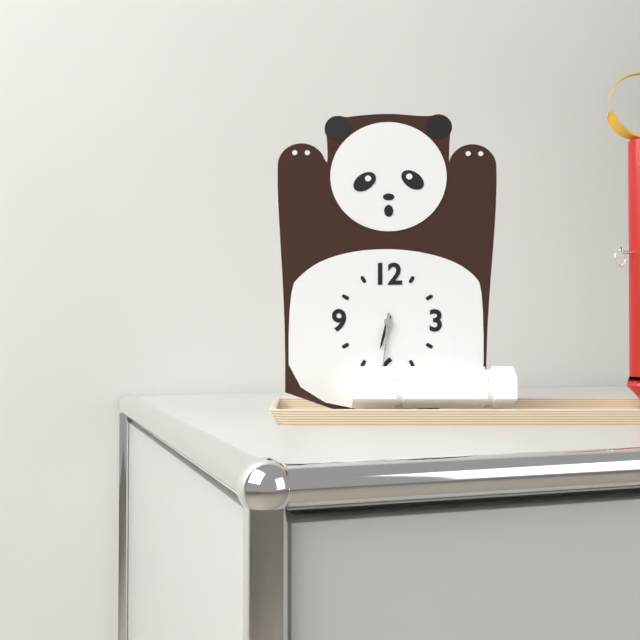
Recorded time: **6:31**
